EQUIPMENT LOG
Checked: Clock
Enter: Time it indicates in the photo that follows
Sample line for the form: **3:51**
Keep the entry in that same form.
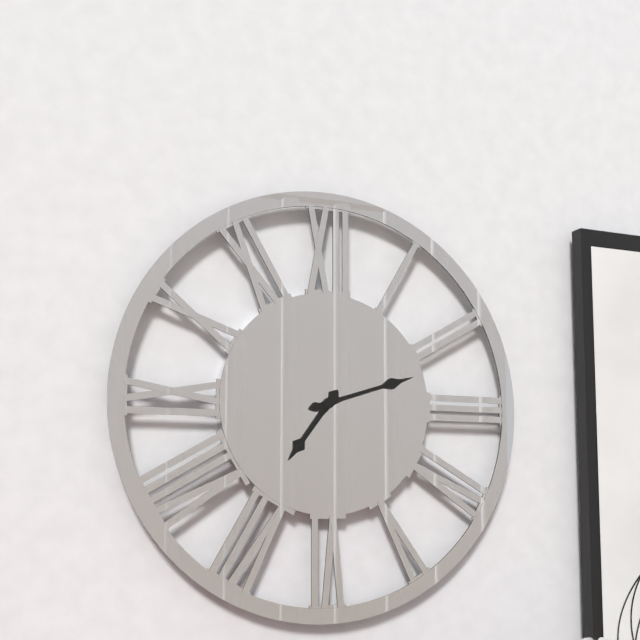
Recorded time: **7:12**
